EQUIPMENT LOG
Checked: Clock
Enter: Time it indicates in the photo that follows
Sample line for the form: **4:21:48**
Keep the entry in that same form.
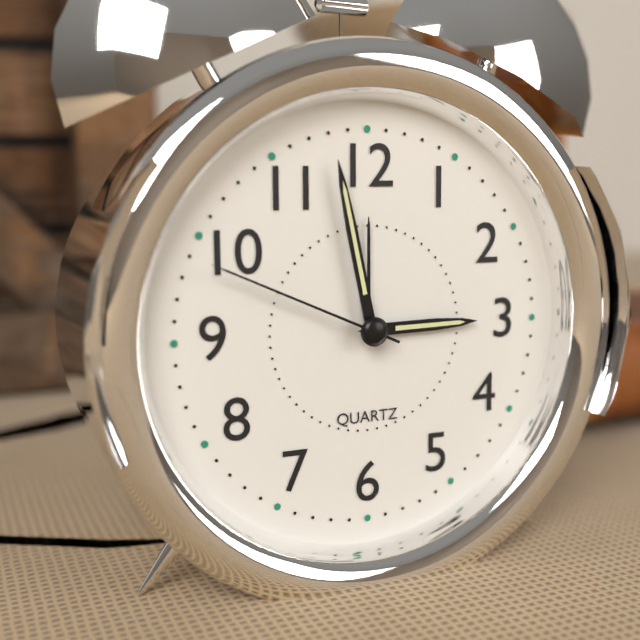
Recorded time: **2:58:49**
